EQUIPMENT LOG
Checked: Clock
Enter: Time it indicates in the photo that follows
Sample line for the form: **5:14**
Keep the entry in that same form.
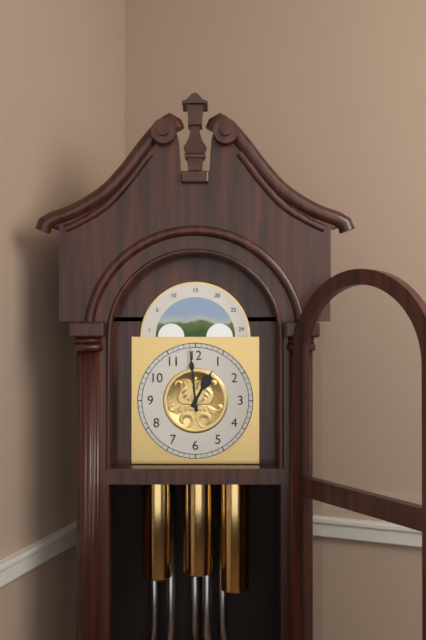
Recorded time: **12:59**
